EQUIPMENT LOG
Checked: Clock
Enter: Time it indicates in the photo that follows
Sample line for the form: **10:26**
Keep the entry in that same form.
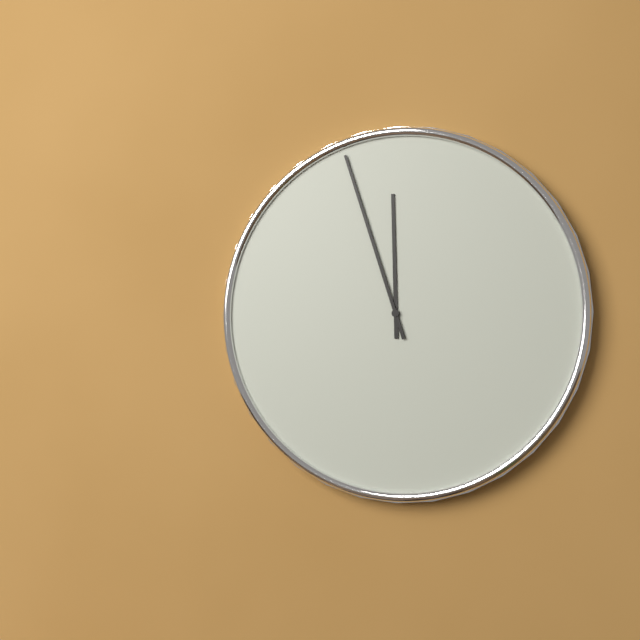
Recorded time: **11:57**
